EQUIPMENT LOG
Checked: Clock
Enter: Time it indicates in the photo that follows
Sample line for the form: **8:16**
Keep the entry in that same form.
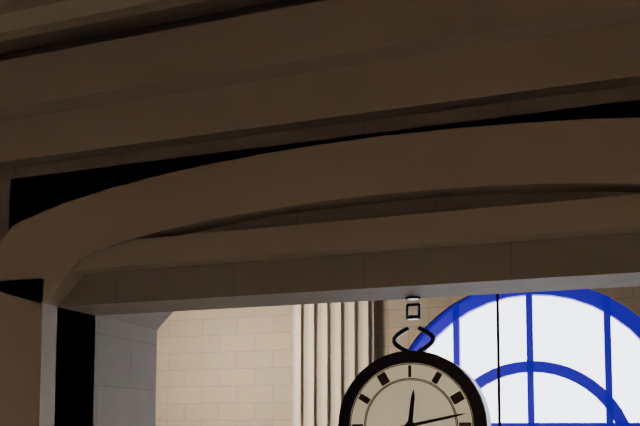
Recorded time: **12:13**
